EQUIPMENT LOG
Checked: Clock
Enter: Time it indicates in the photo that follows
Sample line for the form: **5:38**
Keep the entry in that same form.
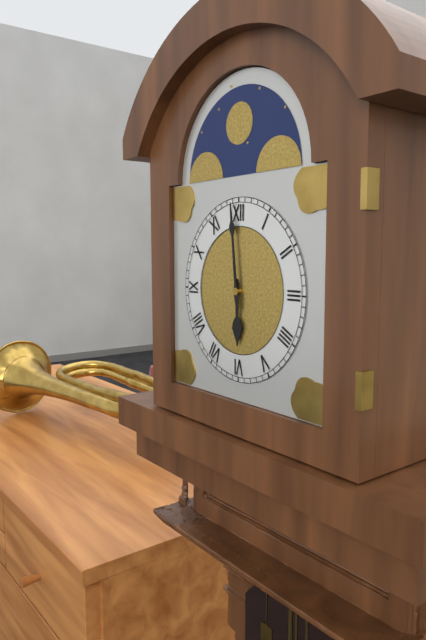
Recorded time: **5:59**
